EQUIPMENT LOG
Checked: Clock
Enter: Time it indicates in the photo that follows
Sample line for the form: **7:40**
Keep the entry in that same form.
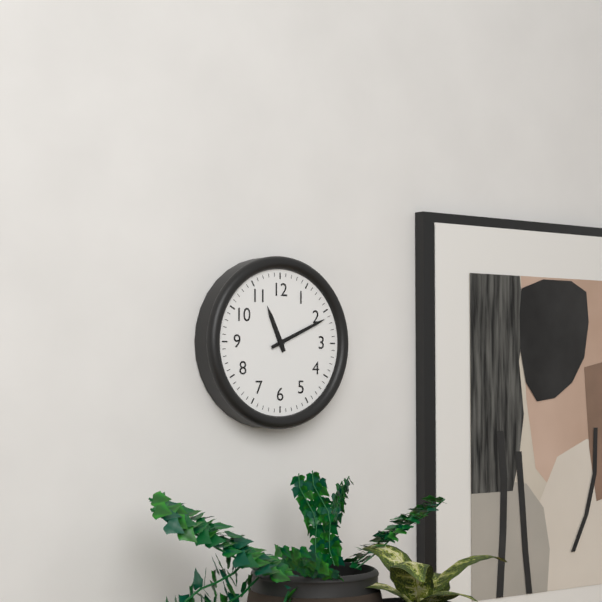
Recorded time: **11:11**
